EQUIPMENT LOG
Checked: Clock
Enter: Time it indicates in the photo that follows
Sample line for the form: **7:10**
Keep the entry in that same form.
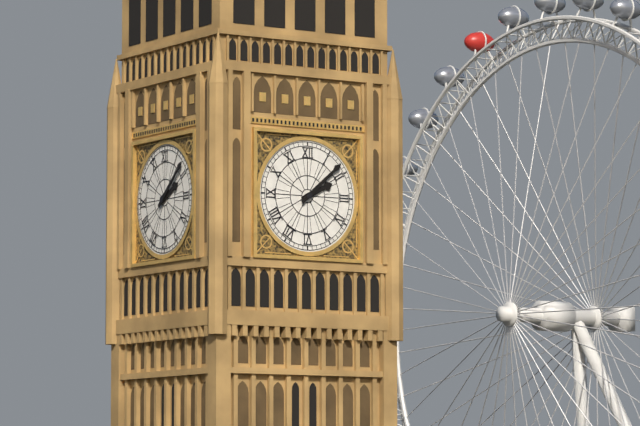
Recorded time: **2:08**
